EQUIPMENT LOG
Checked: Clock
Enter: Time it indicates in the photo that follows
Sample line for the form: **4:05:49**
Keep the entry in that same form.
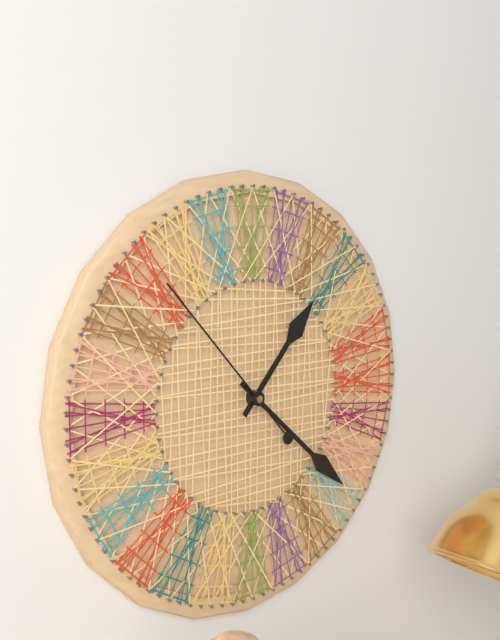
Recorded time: **1:22:53**
